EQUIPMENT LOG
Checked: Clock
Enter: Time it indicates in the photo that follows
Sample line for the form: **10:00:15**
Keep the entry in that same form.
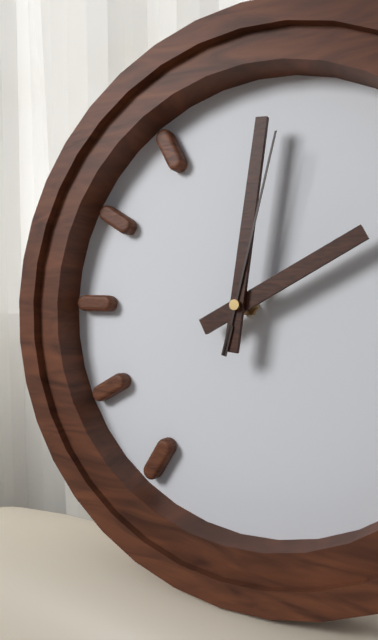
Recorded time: **2:01:02**
